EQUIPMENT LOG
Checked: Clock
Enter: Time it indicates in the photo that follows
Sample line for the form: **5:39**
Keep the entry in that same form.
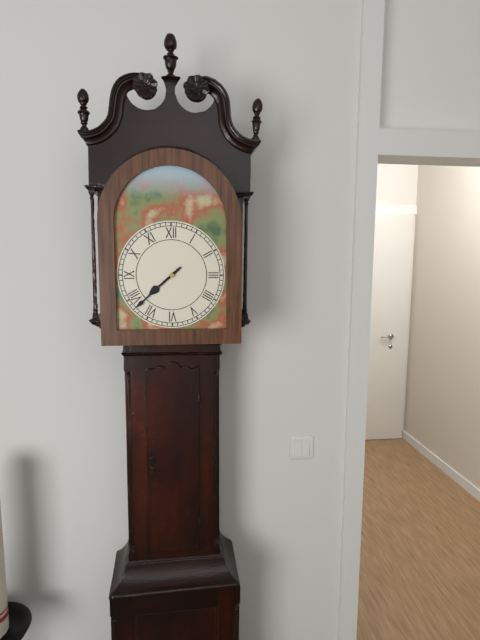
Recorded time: **7:38**
